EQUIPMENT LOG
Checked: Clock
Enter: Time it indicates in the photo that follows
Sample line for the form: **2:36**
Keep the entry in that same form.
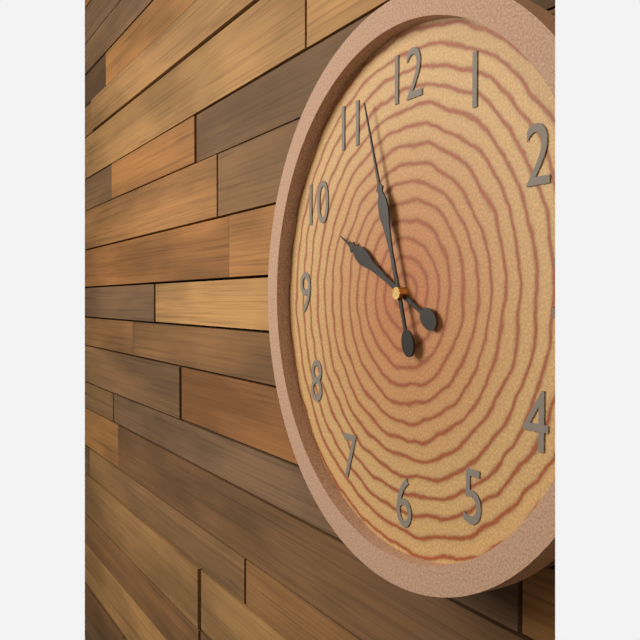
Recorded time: **9:57**
